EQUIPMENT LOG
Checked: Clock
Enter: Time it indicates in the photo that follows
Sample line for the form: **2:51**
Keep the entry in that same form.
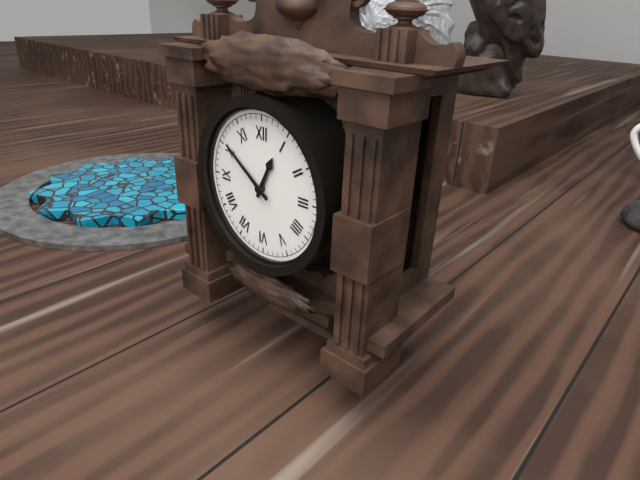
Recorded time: **12:51**
